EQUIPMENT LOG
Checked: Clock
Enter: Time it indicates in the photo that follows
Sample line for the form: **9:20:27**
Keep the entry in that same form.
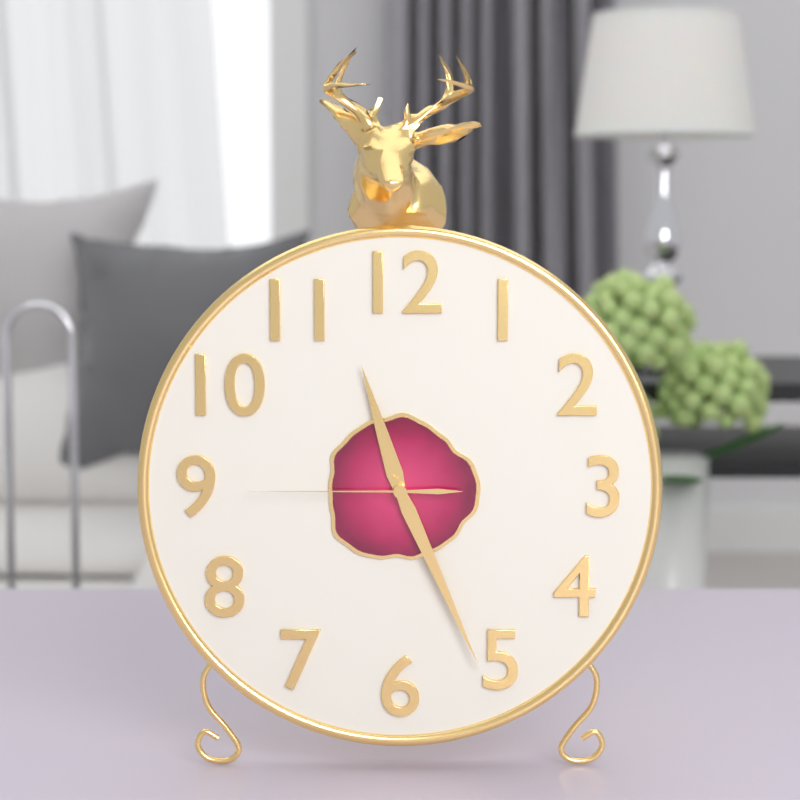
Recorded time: **11:26:45**
